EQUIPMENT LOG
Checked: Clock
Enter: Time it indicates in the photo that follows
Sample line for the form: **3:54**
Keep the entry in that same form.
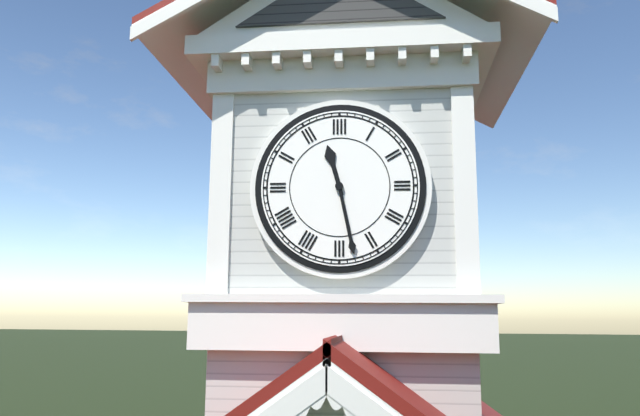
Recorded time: **11:28**
